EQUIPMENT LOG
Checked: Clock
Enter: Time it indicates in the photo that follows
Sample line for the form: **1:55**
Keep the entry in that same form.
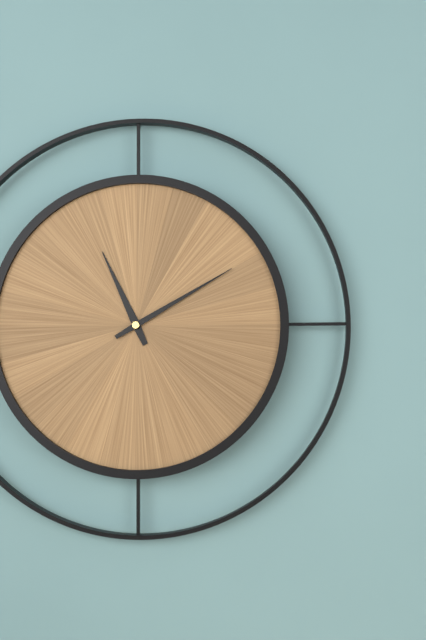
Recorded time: **11:10**
